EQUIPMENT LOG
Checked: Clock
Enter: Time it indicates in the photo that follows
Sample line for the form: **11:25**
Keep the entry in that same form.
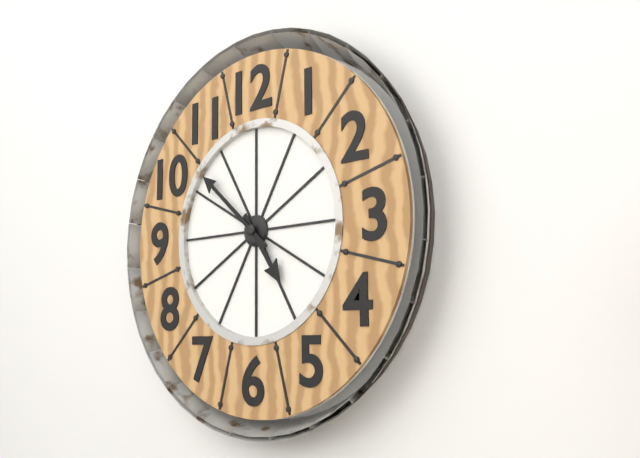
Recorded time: **4:52**
